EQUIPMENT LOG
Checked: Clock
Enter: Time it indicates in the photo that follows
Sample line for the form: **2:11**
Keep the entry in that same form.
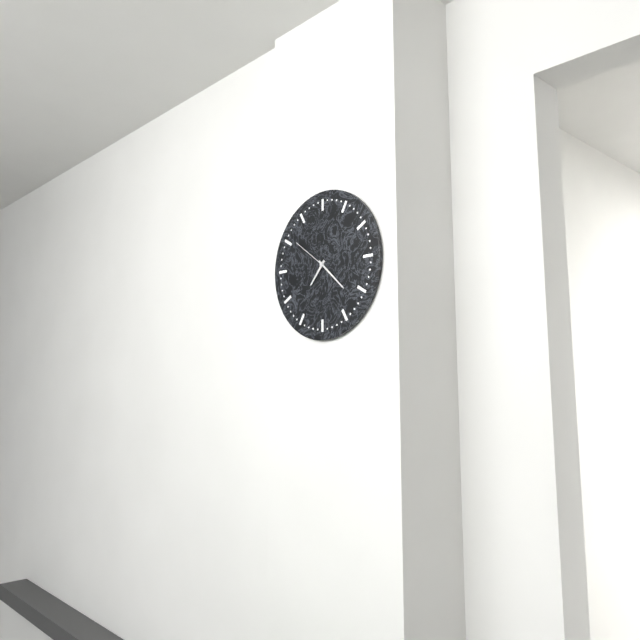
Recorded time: **7:22**
